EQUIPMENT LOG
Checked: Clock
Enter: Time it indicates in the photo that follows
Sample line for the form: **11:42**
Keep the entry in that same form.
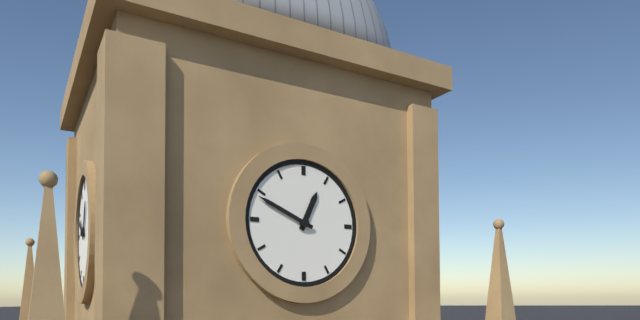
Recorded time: **12:49**
